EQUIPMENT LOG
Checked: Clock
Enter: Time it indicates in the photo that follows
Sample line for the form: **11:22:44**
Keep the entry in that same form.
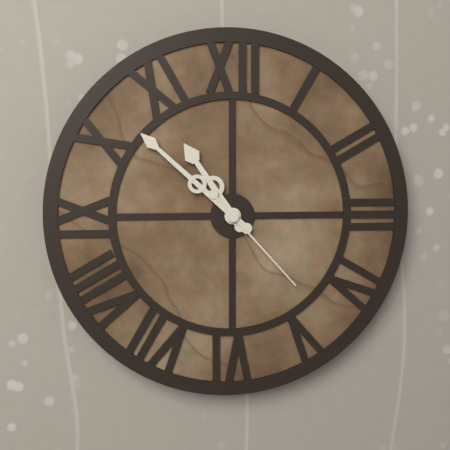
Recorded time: **10:52:23**
